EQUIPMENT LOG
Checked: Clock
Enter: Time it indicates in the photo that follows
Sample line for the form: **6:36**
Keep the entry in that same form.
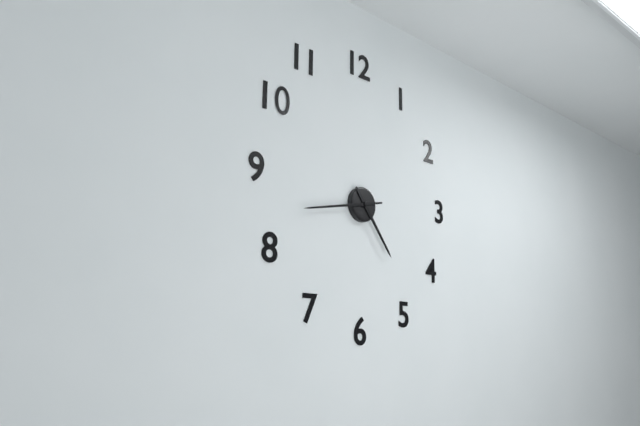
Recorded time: **4:43**
